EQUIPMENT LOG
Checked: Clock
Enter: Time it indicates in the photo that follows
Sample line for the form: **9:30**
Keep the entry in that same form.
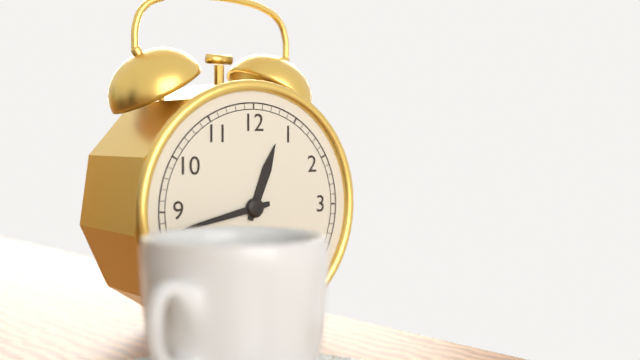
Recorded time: **12:43**
